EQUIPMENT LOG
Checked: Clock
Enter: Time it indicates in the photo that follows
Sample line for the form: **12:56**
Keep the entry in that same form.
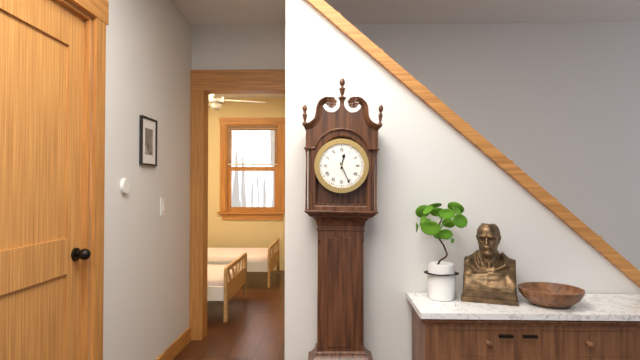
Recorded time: **12:26**
